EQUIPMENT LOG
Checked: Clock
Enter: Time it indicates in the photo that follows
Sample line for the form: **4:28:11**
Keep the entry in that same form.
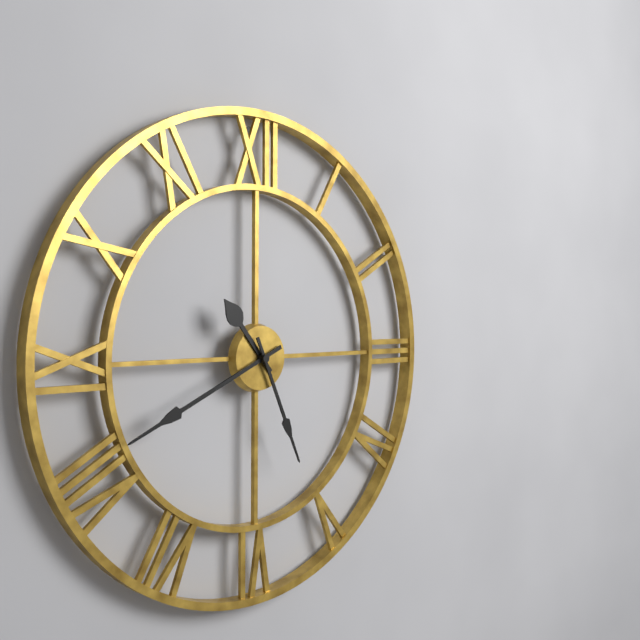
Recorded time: **10:41:26**
